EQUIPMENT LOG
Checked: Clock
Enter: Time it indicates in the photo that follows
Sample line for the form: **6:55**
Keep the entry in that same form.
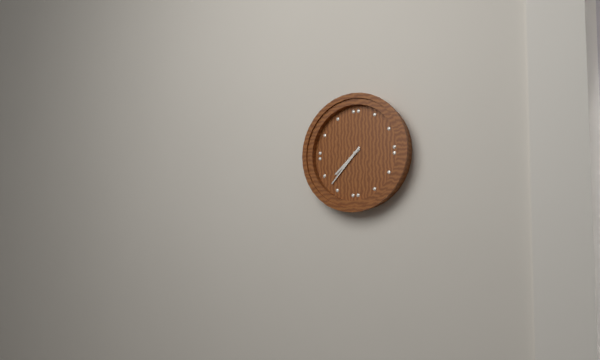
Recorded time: **7:37**
